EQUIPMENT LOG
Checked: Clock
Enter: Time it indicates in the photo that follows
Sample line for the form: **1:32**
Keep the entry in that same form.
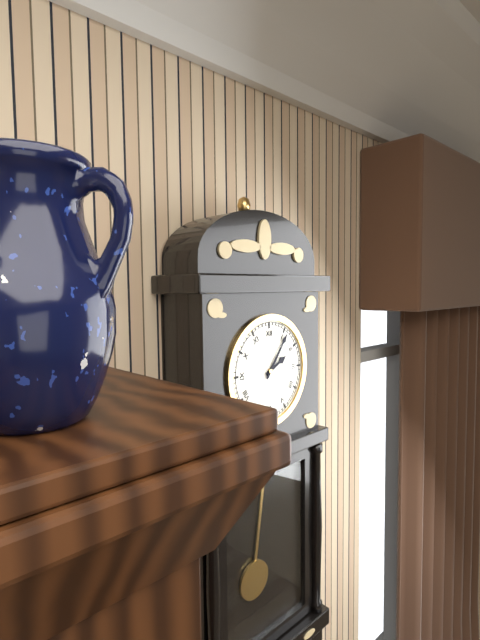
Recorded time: **2:06**
